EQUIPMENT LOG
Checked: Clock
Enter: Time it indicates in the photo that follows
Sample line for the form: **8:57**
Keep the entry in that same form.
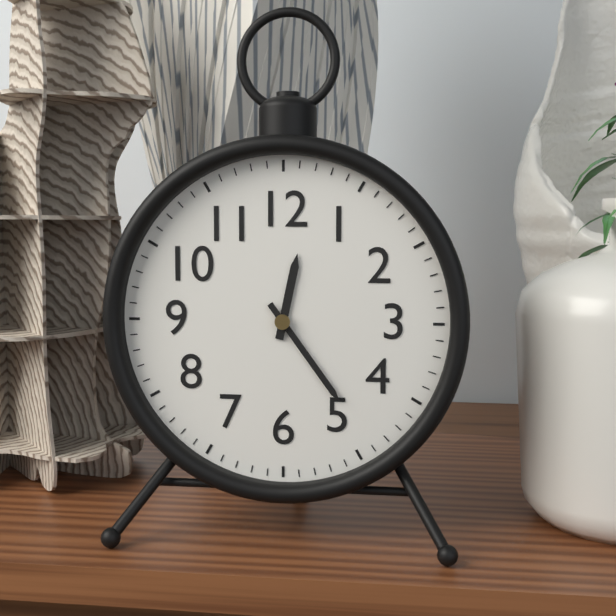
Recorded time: **12:24**
